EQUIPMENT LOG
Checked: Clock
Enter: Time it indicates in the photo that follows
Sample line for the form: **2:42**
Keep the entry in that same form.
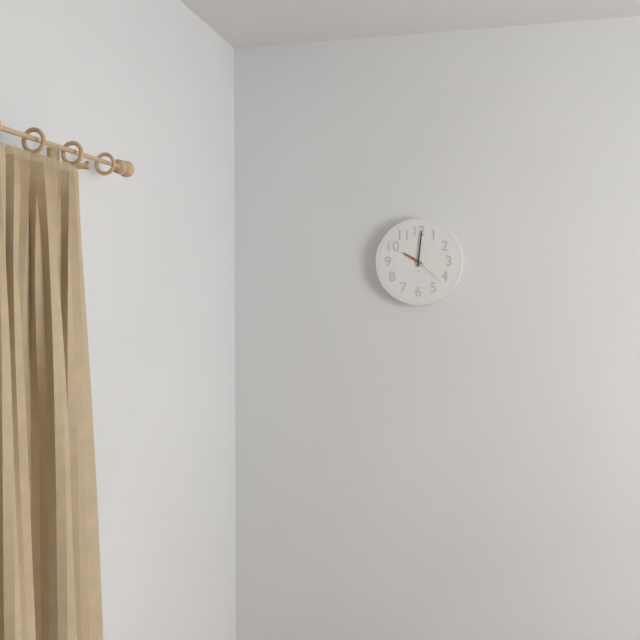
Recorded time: **10:01**
